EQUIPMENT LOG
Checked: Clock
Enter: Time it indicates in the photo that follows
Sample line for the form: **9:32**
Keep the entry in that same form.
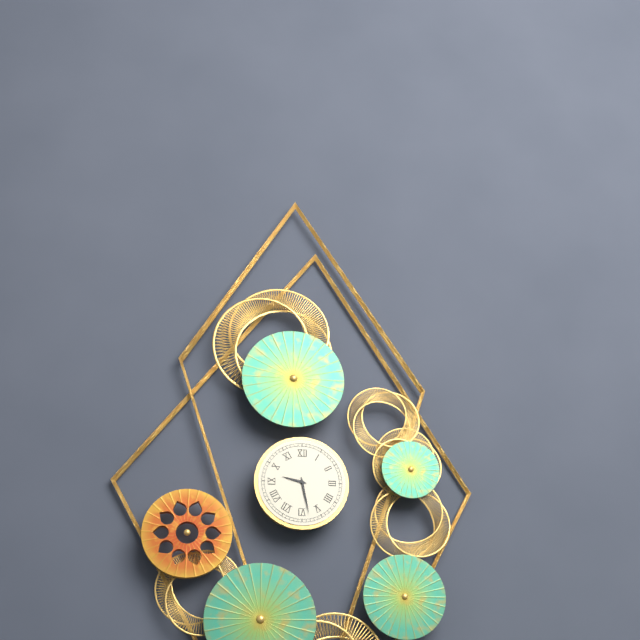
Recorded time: **9:28**
